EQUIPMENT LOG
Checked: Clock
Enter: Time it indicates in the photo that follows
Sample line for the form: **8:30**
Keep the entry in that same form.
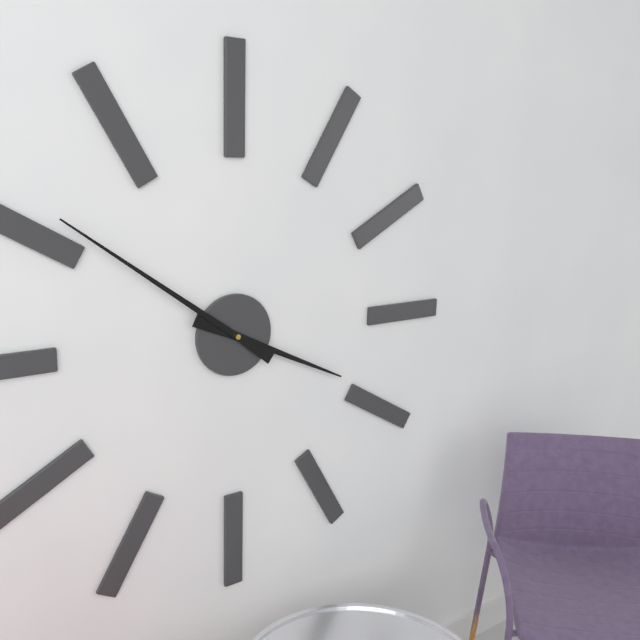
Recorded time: **3:51**
